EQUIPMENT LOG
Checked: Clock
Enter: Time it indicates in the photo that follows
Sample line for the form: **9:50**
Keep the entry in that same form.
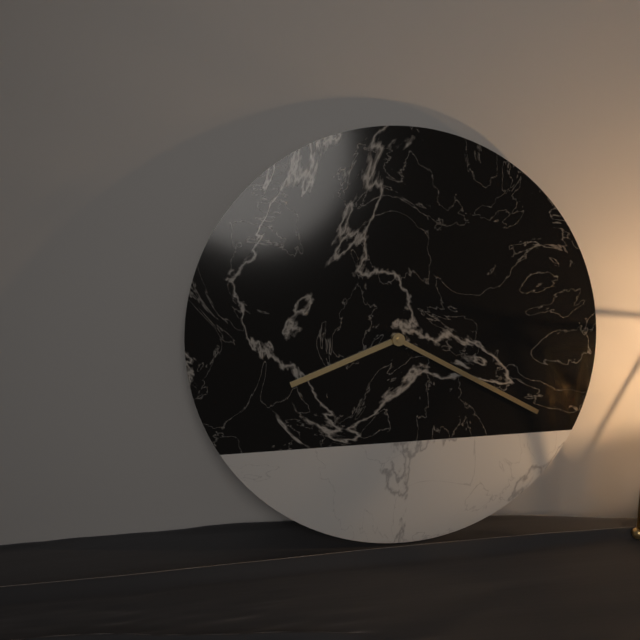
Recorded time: **8:20**
